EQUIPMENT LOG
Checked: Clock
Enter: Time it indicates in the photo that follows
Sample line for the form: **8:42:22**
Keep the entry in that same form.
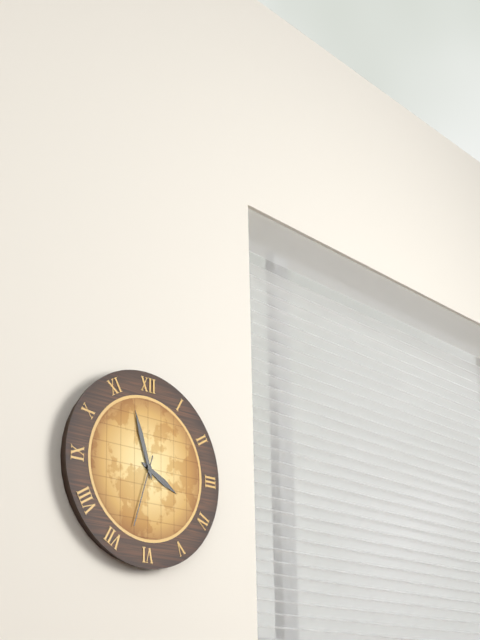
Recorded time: **3:57:33**
